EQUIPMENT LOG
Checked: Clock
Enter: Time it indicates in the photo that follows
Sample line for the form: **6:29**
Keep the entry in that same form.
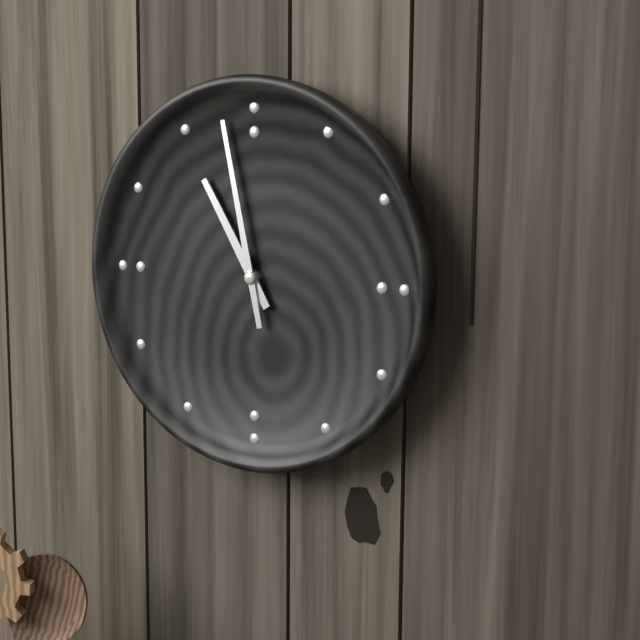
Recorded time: **10:58**
